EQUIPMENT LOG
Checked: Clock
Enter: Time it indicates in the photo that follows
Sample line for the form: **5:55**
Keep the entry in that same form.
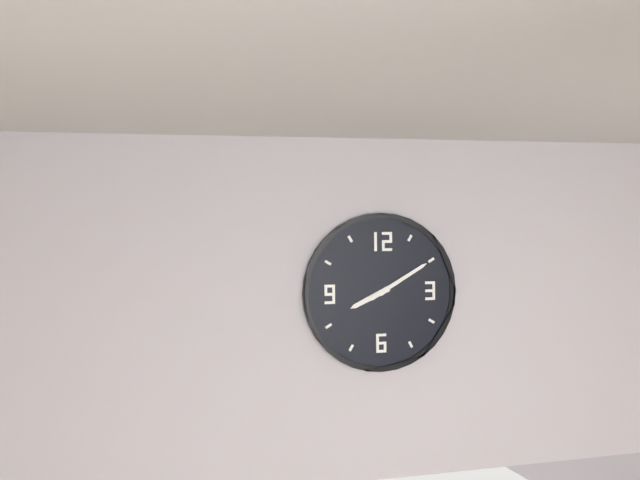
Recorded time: **8:10**
